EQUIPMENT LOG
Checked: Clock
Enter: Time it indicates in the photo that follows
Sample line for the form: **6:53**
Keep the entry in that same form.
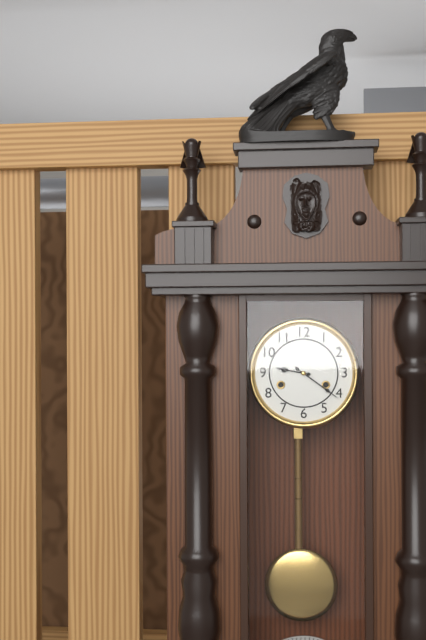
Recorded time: **9:21**
